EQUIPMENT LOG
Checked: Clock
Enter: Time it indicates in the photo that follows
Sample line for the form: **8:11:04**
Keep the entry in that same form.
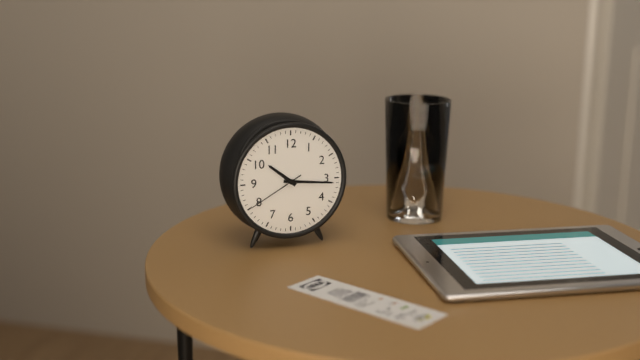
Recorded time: **10:16:40**
